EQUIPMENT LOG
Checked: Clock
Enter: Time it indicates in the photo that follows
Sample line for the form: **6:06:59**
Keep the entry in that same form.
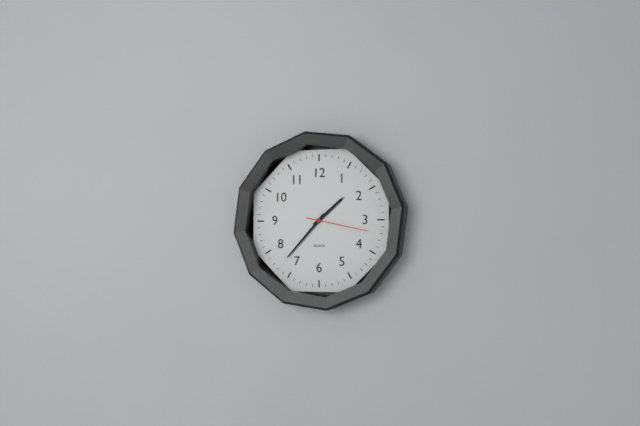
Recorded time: **1:37:17**
